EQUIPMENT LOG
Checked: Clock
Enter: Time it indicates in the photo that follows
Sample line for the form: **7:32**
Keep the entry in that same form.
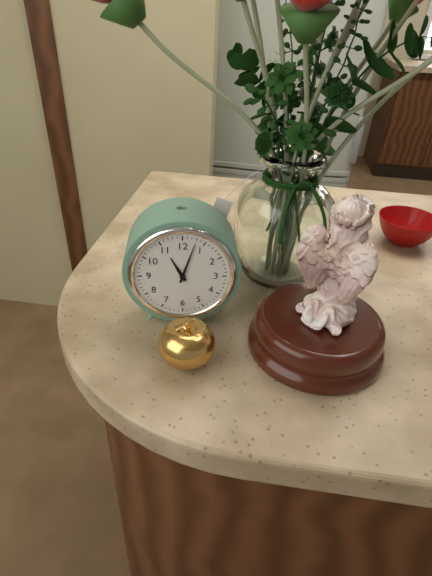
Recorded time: **11:03**
